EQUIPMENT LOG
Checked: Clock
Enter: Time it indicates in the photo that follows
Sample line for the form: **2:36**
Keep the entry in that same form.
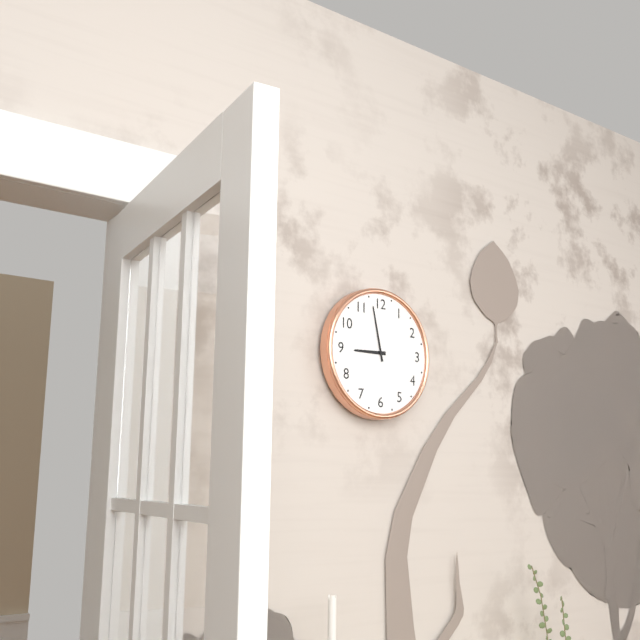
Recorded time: **8:58**
